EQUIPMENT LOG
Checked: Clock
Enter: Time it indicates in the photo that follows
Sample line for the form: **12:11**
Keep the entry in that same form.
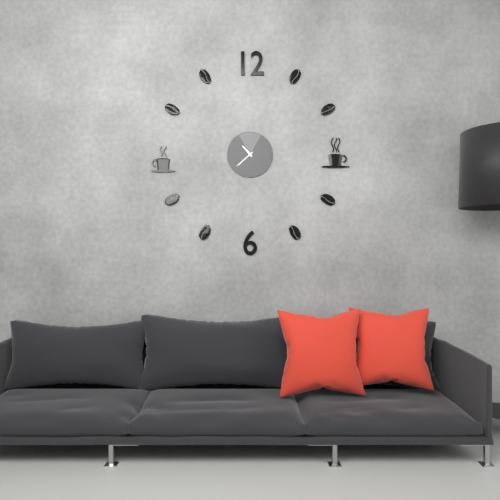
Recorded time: **10:38**
